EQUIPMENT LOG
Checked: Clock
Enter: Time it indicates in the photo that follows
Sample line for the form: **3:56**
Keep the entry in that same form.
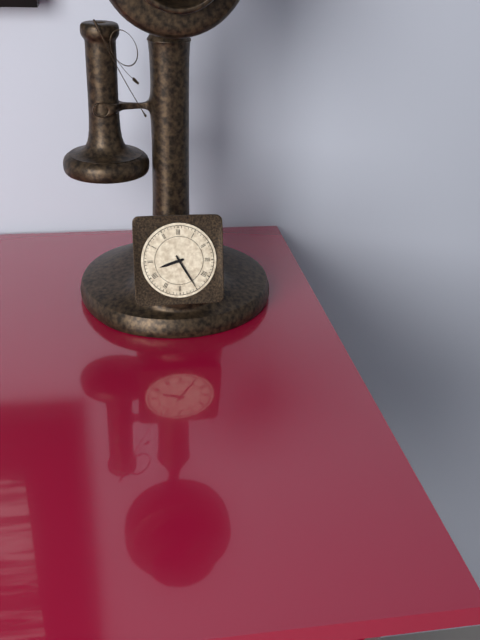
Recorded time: **8:25**
